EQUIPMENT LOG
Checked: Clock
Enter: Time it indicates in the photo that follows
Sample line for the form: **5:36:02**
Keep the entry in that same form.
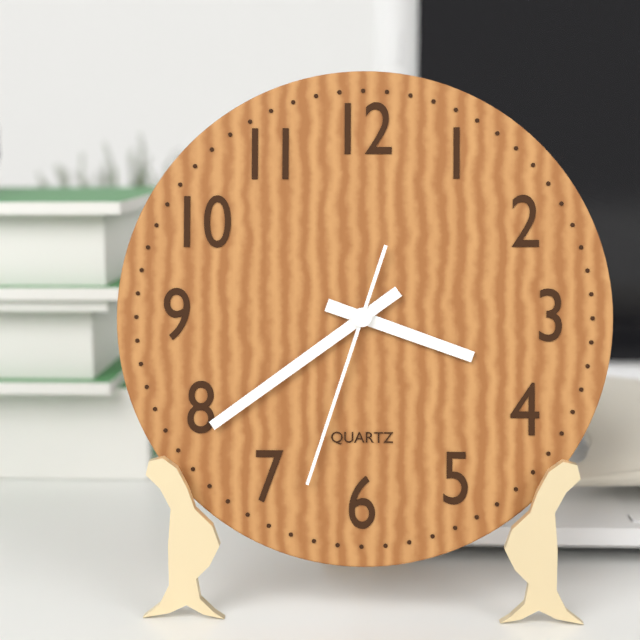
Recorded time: **3:39:33**
